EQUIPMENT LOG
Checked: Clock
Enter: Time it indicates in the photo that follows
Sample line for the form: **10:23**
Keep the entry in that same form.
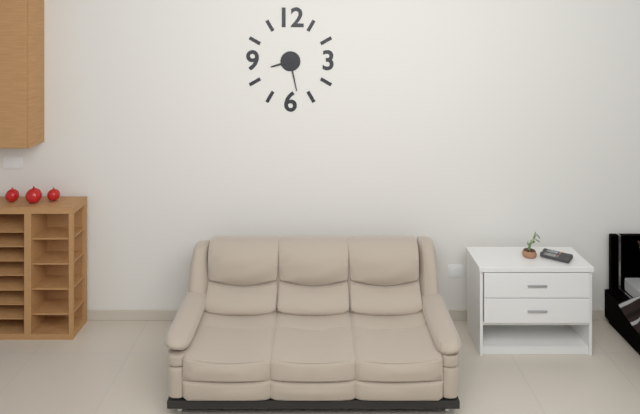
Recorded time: **8:28**
